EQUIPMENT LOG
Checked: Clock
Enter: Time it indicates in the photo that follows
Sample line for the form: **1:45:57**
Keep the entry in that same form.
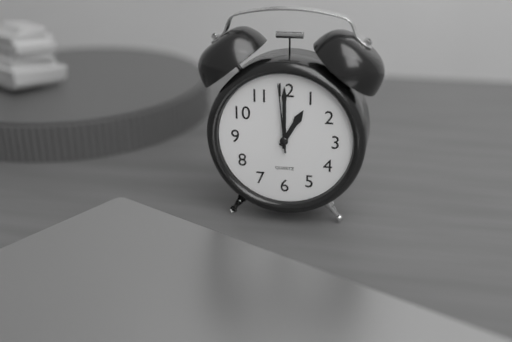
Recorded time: **1:00:59**
